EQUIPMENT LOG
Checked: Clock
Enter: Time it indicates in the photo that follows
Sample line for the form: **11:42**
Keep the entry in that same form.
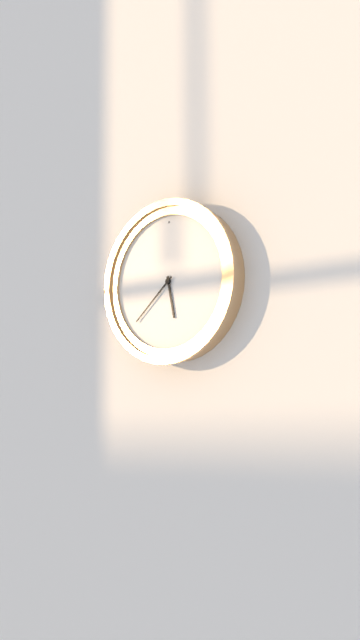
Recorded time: **5:38**
